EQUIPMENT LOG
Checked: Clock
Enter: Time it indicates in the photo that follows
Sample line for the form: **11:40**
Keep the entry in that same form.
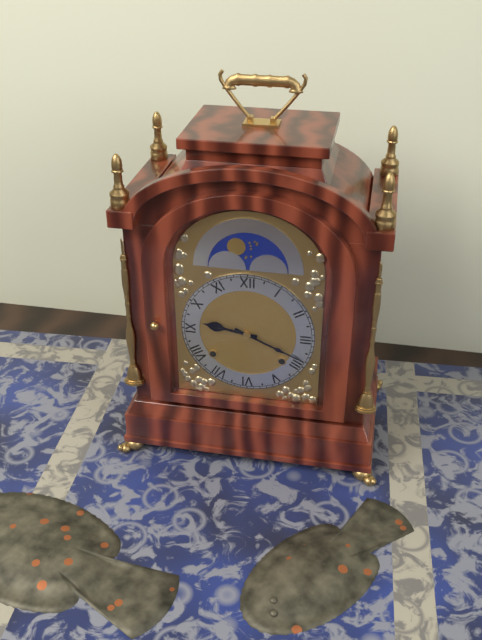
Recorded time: **9:19**
